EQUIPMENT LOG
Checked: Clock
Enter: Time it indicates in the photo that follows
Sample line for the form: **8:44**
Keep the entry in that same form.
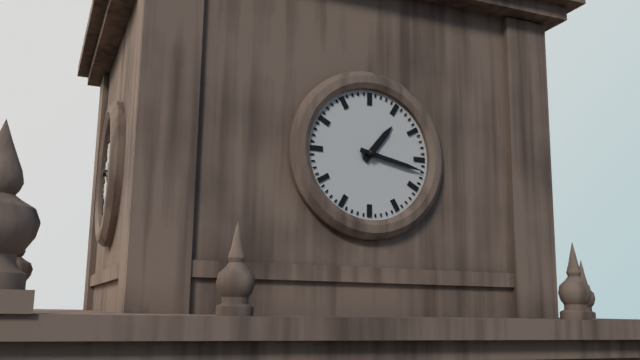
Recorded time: **1:17**
